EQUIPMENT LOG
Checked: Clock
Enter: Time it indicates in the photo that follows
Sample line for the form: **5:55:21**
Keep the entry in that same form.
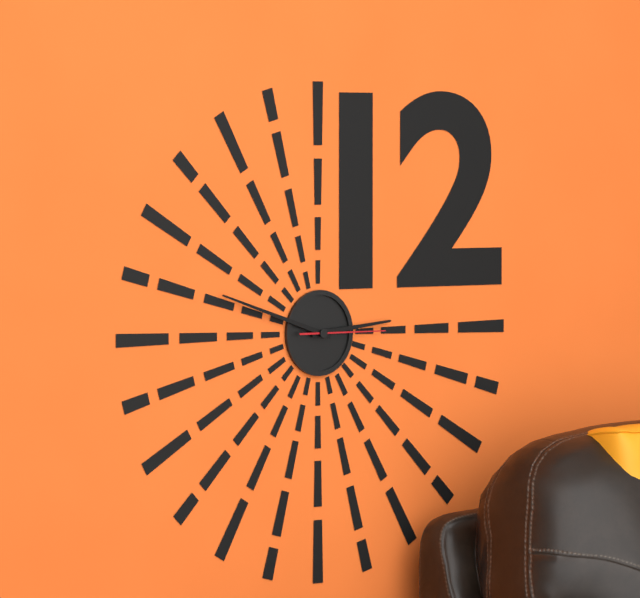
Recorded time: **2:48:15**
